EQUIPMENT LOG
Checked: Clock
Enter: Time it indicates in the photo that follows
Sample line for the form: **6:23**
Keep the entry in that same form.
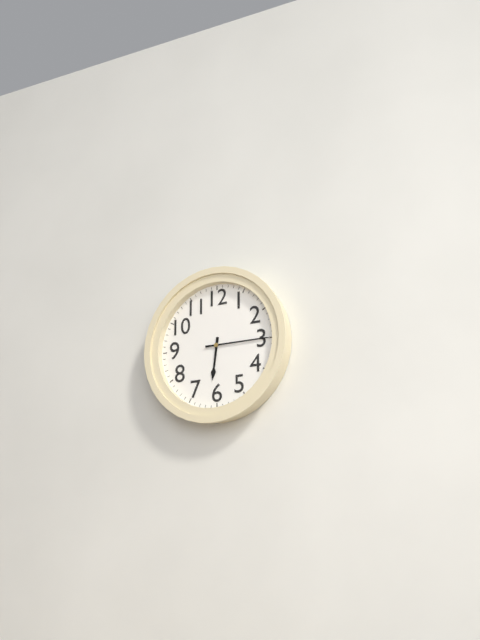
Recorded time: **6:15**
